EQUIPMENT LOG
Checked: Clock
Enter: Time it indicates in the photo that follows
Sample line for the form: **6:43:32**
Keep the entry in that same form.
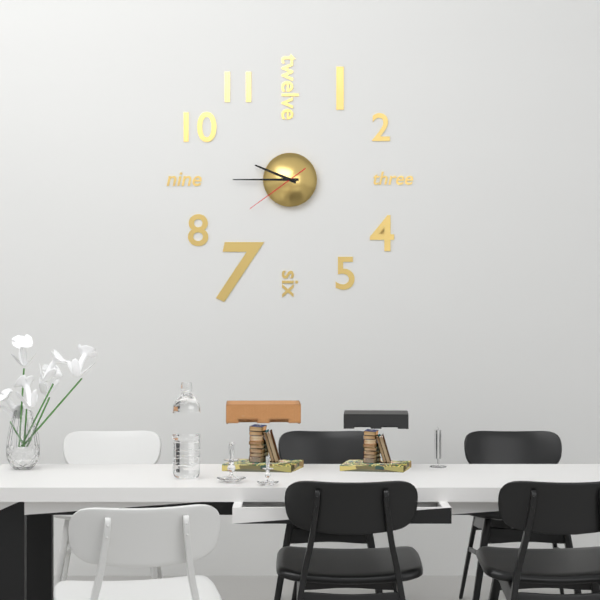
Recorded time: **9:45:39**
